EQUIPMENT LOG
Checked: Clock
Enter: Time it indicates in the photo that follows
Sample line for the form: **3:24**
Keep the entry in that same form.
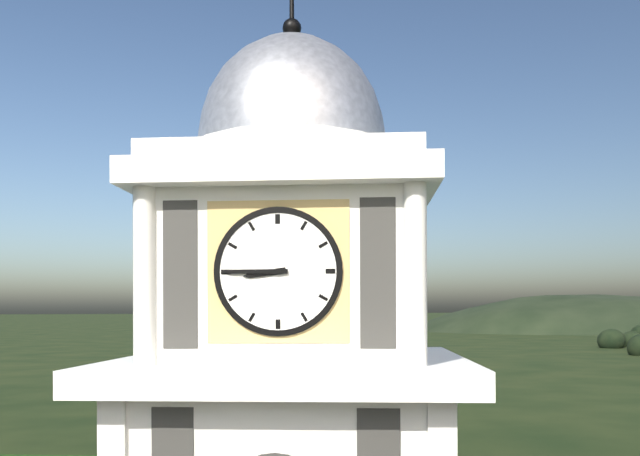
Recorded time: **8:45**
